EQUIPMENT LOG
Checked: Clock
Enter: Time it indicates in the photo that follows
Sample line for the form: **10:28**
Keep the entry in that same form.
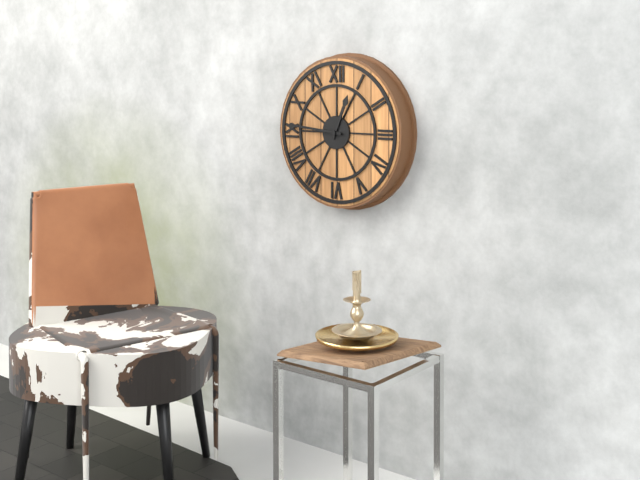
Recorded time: **12:46**
